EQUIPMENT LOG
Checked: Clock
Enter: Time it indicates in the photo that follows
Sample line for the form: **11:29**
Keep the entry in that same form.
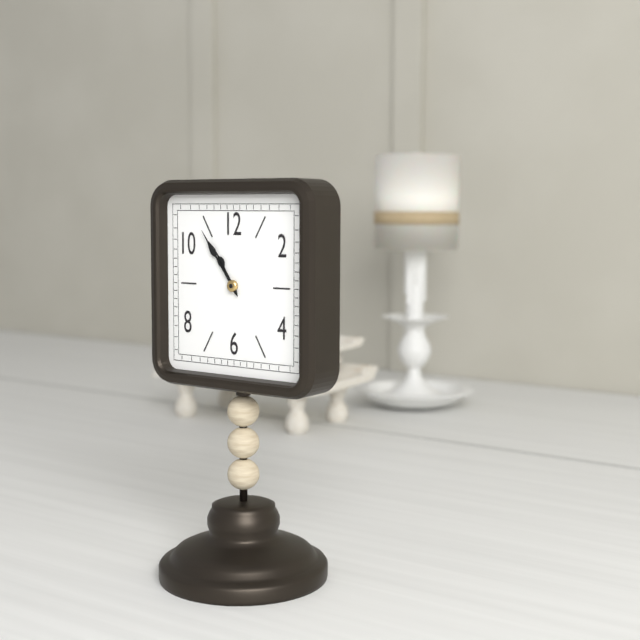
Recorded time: **10:54**
